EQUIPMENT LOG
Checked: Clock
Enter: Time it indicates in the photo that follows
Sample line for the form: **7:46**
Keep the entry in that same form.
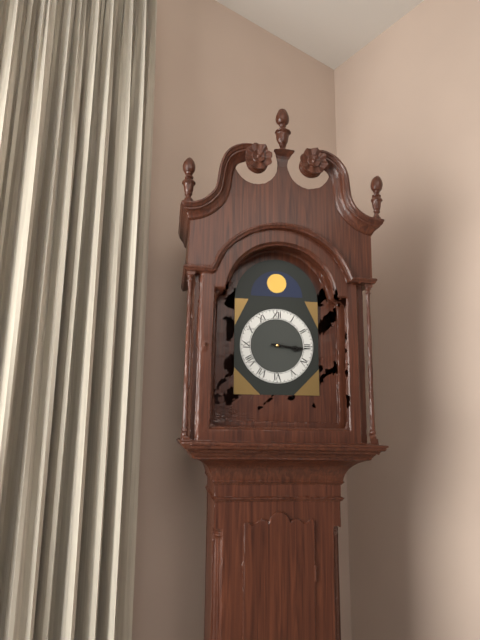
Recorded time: **3:16**
